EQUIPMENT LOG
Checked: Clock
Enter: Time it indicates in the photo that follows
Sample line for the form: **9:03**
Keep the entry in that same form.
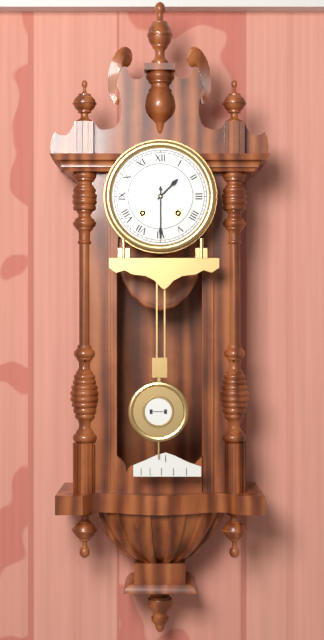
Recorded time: **1:30**
